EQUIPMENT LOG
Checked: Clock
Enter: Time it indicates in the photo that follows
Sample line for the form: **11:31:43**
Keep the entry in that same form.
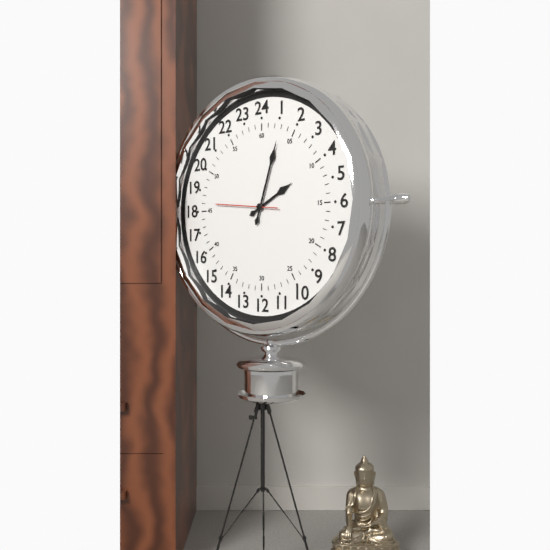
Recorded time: **2:03:46**
